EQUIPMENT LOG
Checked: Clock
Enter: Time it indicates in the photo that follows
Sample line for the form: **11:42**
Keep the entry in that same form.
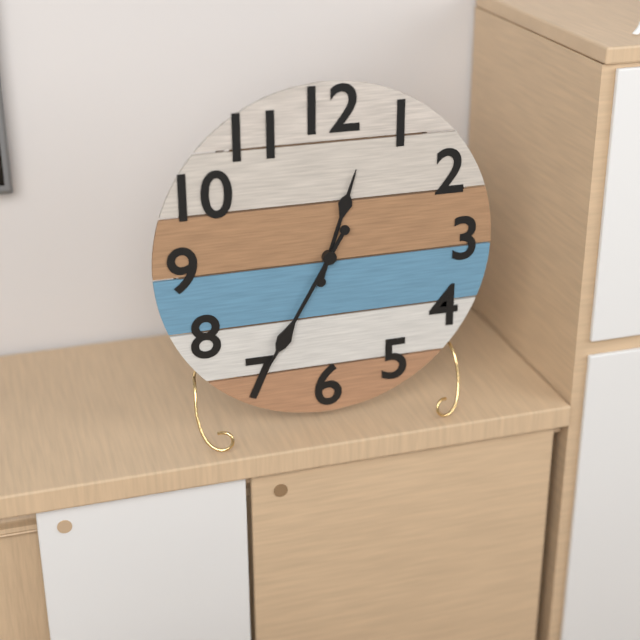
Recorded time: **12:35**
